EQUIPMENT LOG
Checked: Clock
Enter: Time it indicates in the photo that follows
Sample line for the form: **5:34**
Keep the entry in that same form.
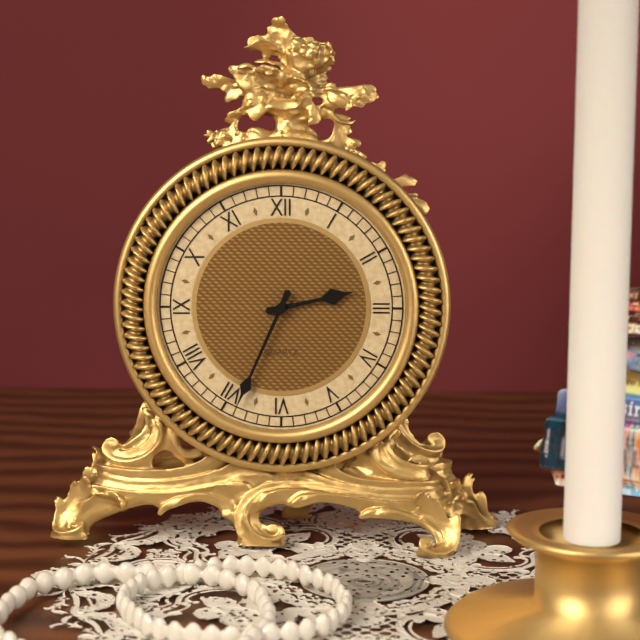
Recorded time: **2:34**
